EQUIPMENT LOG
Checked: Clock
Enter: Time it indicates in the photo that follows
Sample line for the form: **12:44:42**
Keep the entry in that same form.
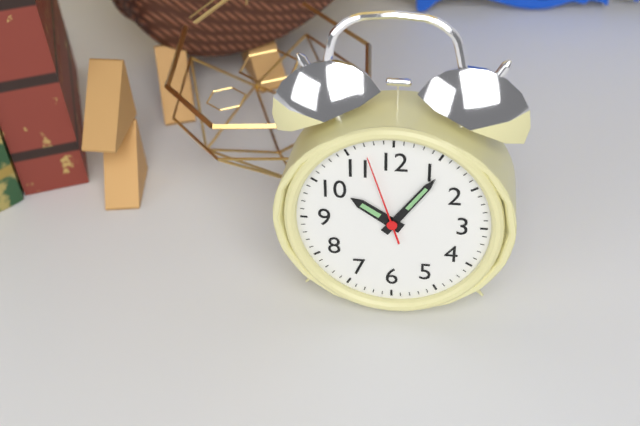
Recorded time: **10:06:57**
